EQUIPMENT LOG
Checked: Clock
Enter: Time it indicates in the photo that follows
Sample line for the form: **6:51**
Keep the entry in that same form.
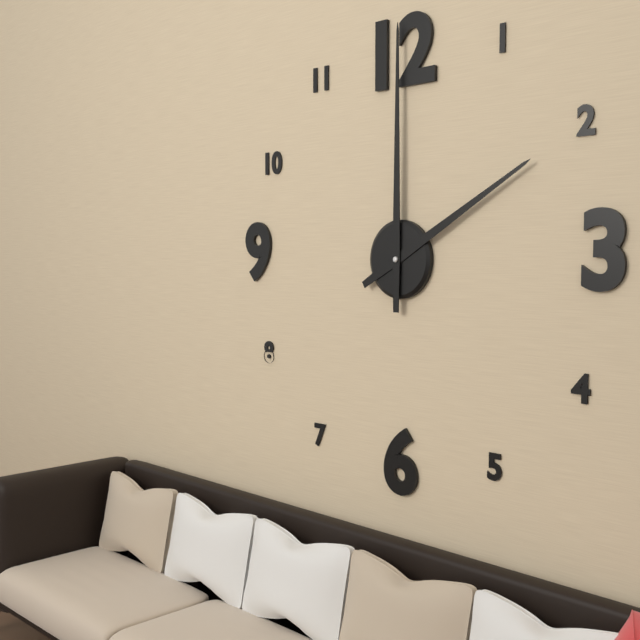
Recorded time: **2:00**
